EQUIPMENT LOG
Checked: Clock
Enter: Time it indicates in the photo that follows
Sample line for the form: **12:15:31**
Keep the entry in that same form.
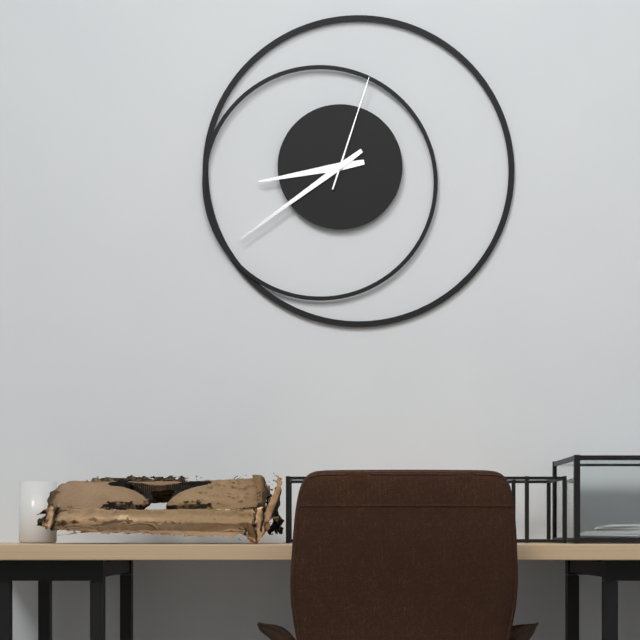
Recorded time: **8:39:03**
